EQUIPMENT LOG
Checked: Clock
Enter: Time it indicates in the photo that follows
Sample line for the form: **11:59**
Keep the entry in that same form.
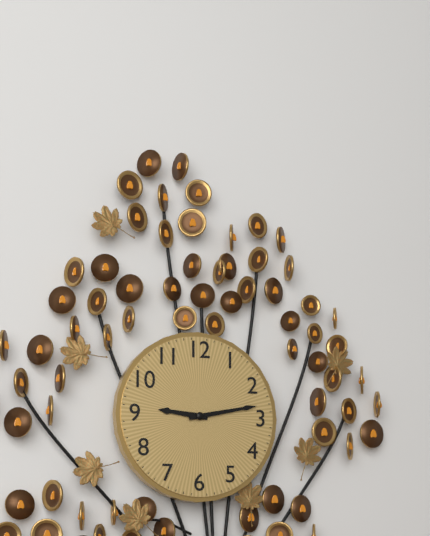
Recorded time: **9:13**
